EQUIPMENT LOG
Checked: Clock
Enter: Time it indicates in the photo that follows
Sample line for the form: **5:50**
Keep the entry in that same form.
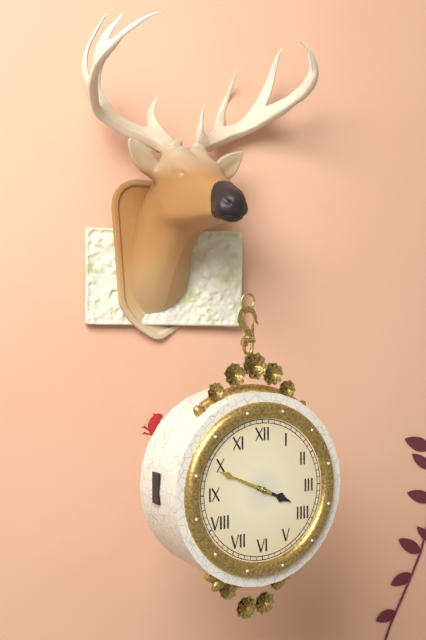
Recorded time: **3:49**
